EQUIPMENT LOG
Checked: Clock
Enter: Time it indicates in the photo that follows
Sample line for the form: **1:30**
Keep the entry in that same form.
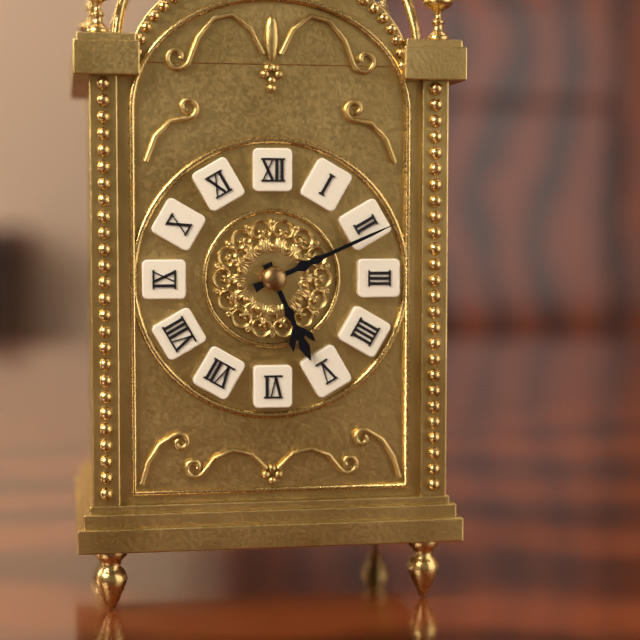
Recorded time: **5:11**
